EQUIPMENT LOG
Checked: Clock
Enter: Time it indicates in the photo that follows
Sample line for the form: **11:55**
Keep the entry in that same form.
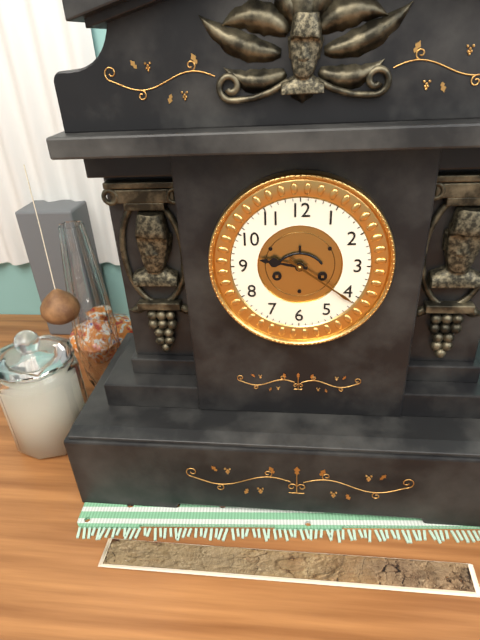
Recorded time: **9:21**
